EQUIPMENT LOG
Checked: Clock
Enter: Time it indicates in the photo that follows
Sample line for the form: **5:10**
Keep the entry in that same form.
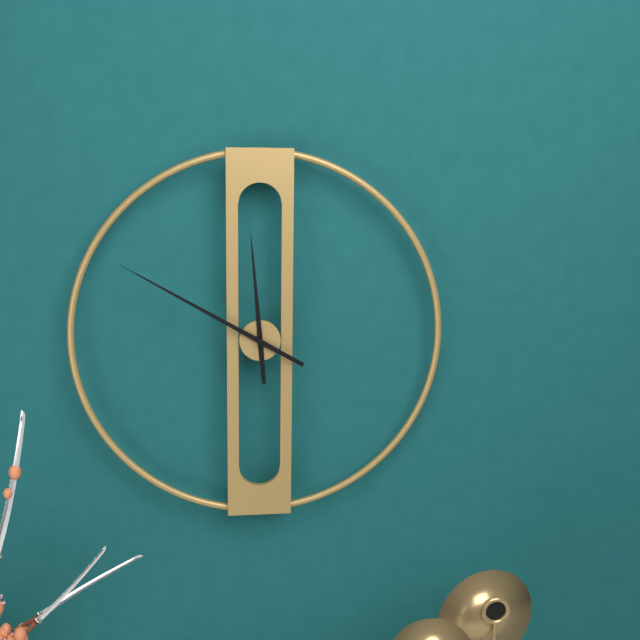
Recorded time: **11:50**
